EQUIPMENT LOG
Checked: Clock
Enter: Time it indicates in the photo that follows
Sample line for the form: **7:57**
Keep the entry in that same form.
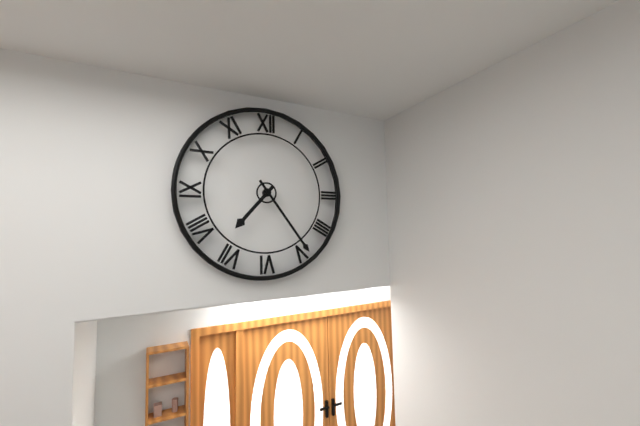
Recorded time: **7:24**
